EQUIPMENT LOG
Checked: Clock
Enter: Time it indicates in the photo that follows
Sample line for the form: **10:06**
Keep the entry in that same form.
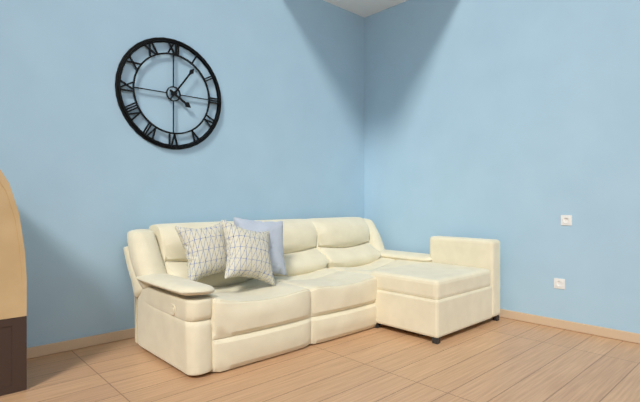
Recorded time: **4:06**
